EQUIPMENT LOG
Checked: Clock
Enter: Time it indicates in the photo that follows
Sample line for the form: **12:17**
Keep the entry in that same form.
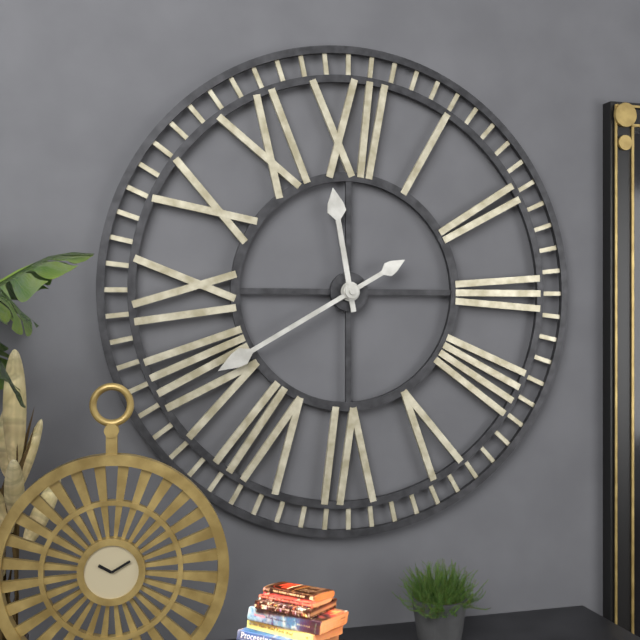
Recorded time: **11:40**
